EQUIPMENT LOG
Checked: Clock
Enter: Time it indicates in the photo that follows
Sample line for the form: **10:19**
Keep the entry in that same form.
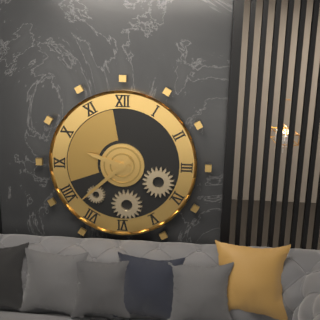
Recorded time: **9:38**
